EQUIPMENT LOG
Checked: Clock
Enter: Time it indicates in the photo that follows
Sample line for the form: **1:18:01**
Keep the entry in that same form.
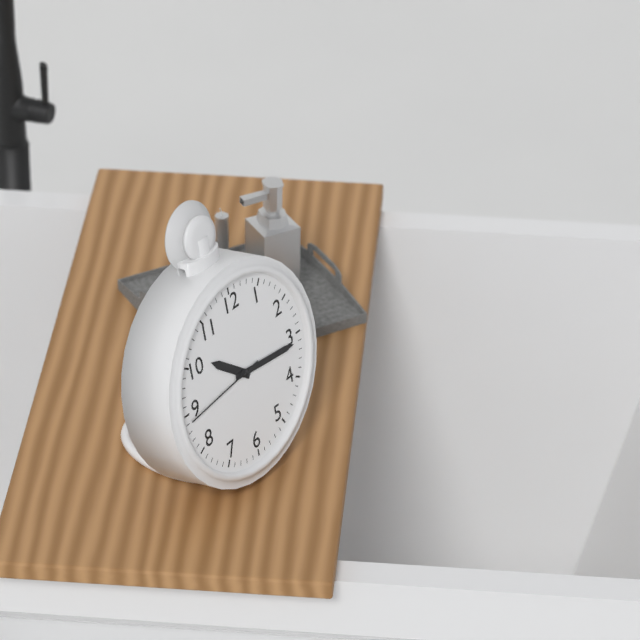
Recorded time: **10:16:44**
